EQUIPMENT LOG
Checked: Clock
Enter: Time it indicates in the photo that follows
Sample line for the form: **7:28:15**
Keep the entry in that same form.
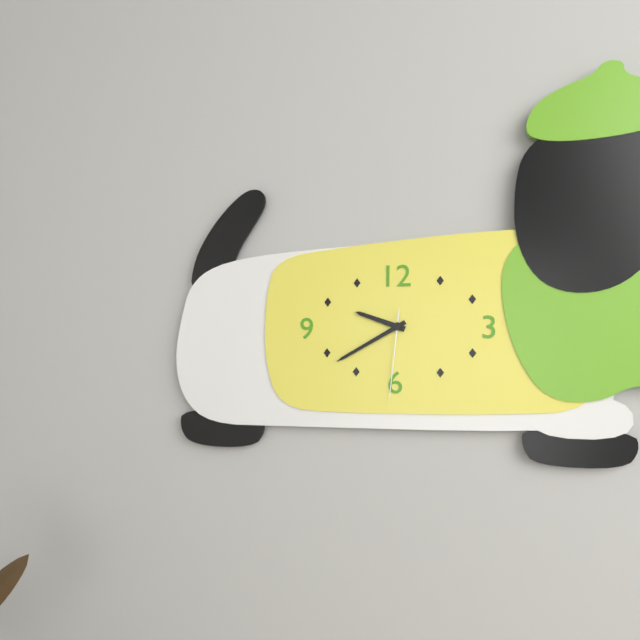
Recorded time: **9:40:31**
